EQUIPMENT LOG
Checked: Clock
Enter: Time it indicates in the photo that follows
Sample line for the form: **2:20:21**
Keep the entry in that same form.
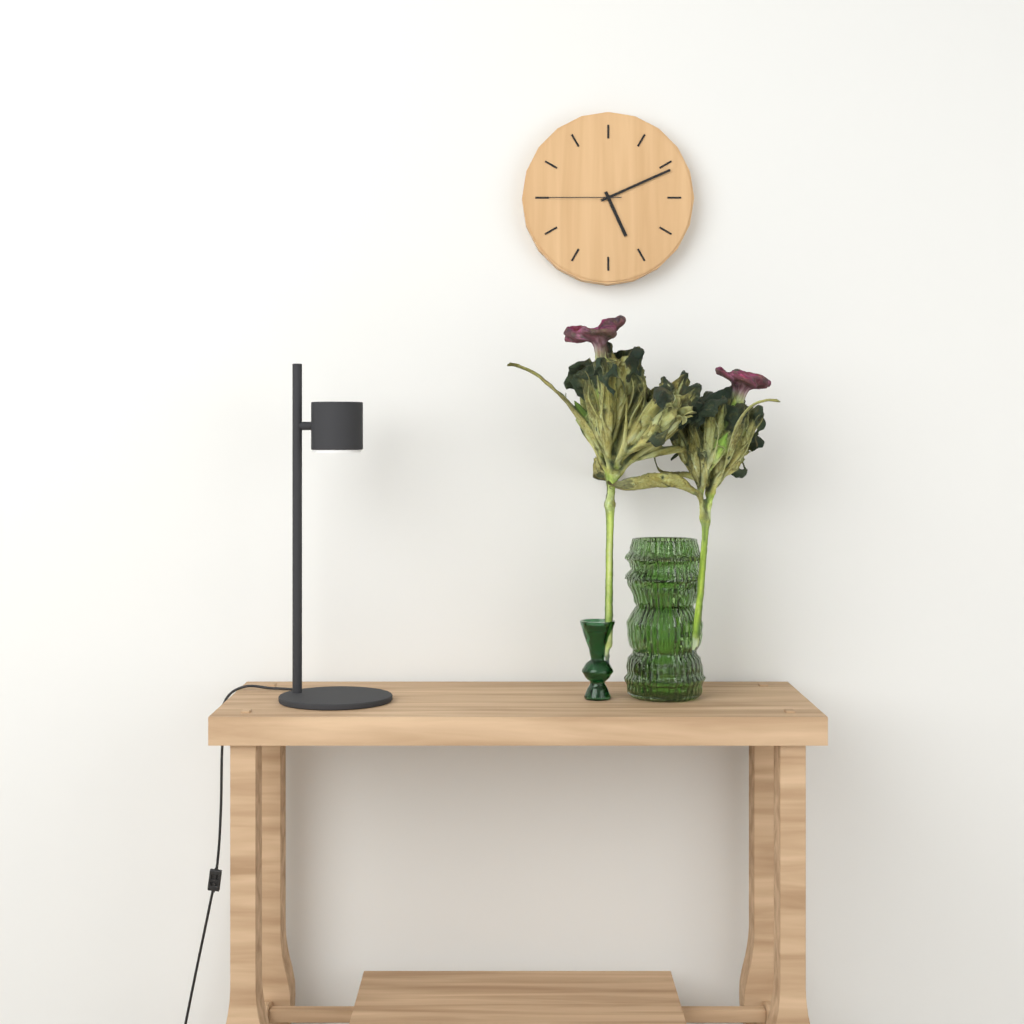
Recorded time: **5:11:45**
